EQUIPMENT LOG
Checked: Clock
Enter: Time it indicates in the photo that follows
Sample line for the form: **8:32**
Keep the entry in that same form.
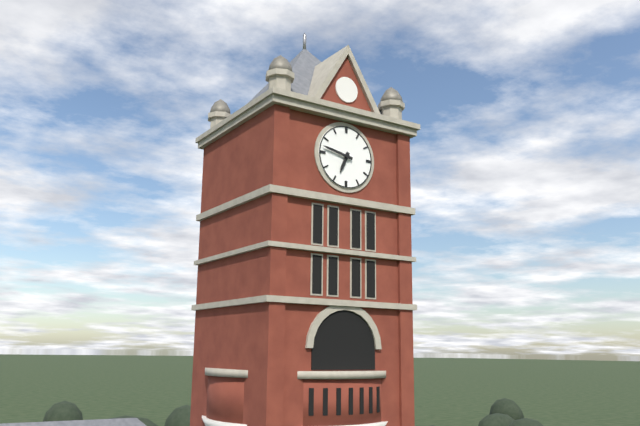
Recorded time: **6:47**
